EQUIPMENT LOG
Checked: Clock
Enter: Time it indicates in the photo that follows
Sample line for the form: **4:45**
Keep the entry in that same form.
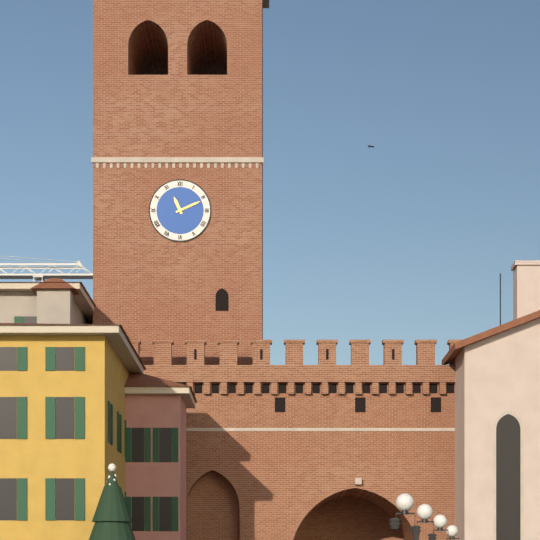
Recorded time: **11:11**
